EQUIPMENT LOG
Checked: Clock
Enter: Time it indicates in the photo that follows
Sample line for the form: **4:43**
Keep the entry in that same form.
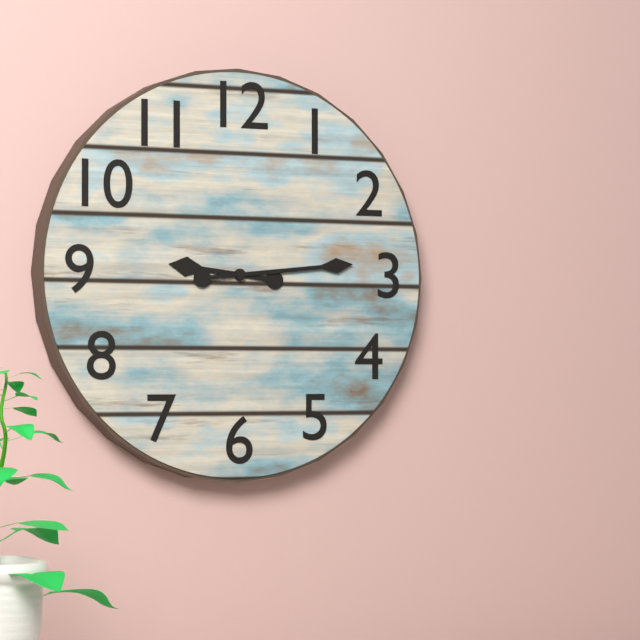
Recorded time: **9:14**
